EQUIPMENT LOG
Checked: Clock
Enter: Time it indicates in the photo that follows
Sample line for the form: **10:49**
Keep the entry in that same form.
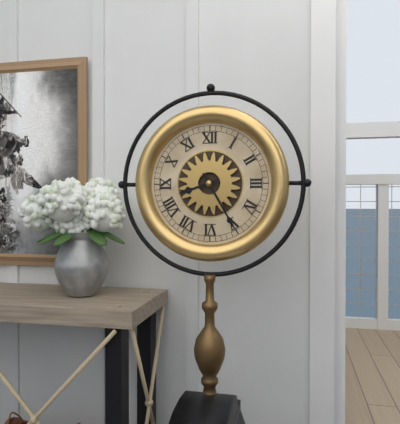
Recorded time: **8:25**
